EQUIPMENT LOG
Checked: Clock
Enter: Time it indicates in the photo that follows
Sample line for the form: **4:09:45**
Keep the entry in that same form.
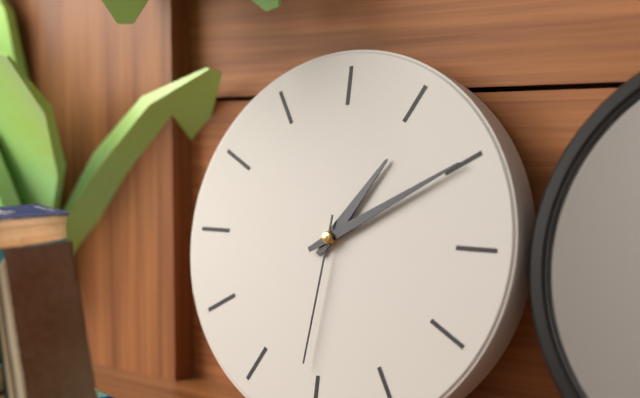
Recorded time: **1:10:31**
